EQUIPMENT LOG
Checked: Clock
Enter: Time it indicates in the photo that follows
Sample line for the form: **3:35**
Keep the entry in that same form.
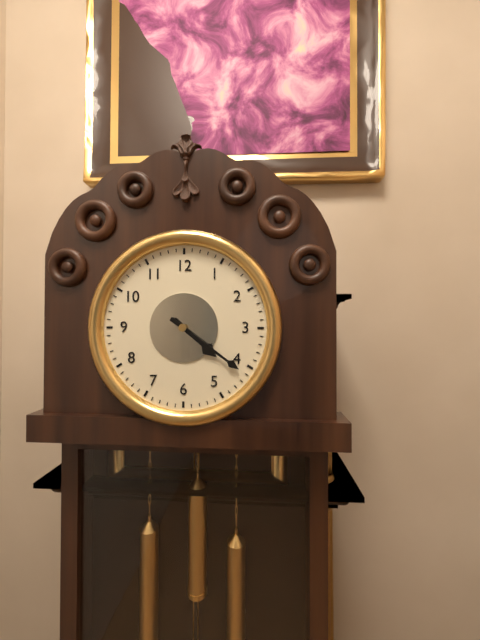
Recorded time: **4:21**
